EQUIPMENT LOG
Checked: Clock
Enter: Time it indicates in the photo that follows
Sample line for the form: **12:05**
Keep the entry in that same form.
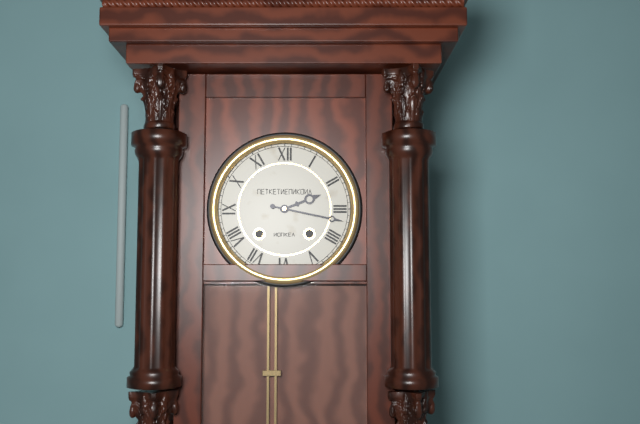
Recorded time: **2:17**
